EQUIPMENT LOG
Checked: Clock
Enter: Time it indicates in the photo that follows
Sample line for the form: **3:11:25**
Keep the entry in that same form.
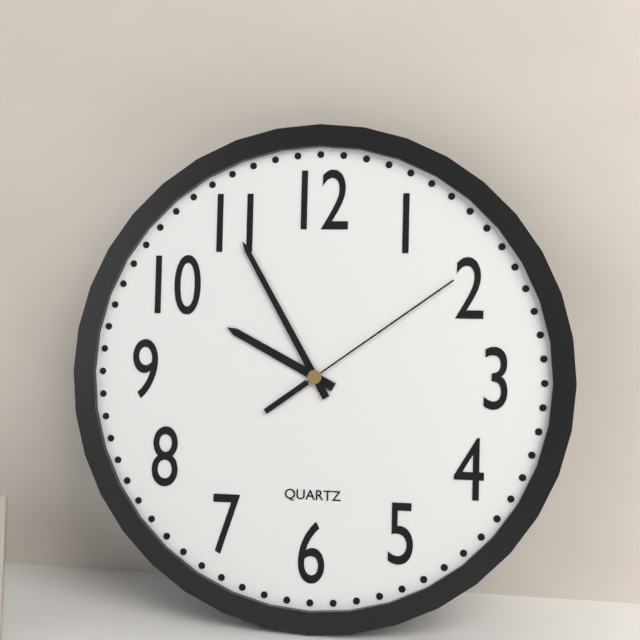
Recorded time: **9:55:09**
